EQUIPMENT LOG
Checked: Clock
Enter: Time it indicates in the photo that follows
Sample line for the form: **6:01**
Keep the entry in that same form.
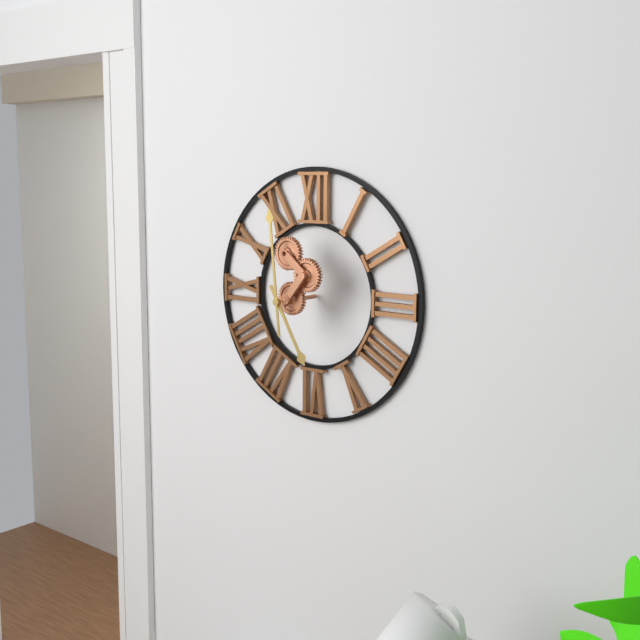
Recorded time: **4:59**
